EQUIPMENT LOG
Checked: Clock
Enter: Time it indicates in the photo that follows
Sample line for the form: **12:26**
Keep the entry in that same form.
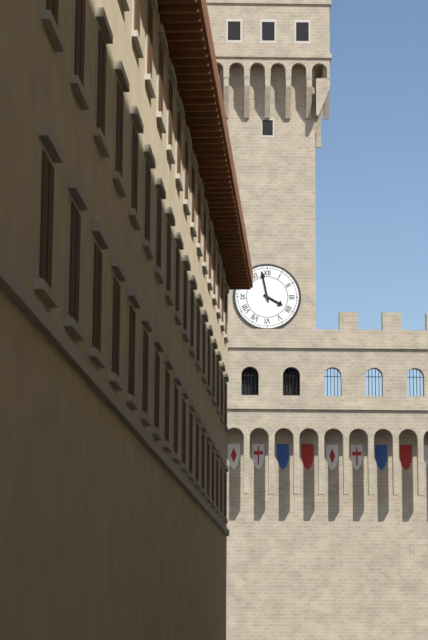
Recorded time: **3:58**
